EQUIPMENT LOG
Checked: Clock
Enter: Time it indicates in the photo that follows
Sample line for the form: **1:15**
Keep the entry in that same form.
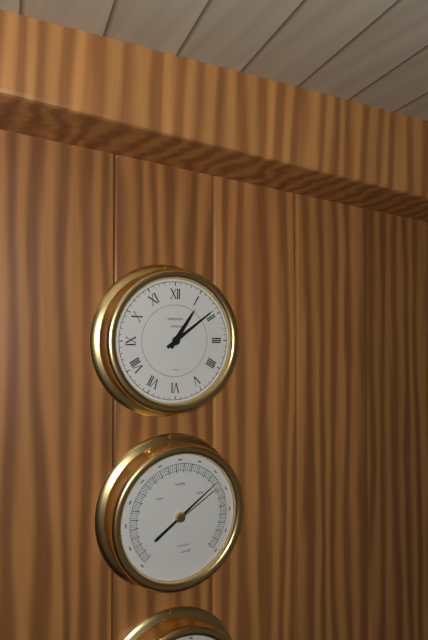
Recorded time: **1:09**
